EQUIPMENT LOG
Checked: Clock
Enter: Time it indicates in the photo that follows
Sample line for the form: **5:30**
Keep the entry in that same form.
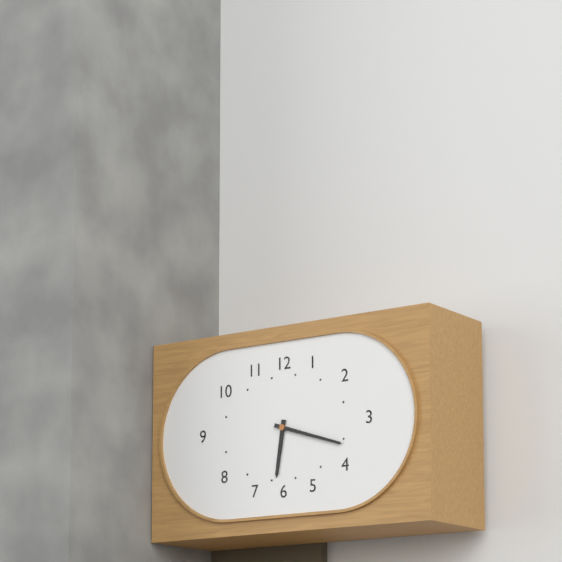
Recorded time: **6:18**
